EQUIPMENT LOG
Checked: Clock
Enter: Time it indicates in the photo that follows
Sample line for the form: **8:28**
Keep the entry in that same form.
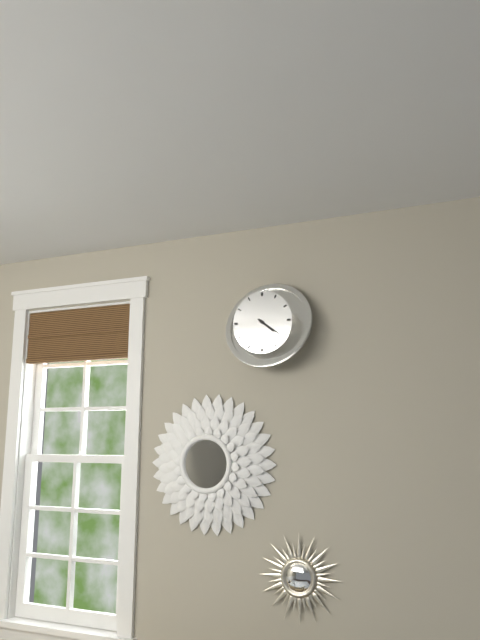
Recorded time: **4:21**
